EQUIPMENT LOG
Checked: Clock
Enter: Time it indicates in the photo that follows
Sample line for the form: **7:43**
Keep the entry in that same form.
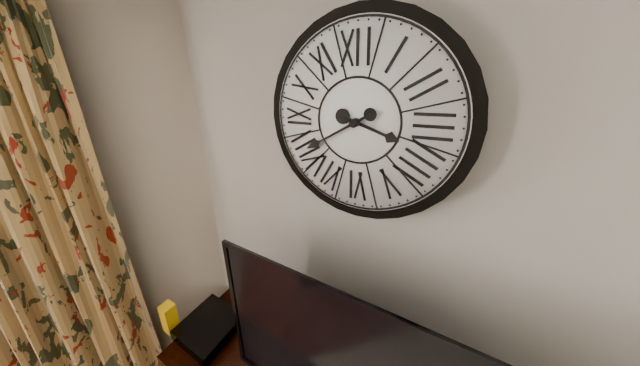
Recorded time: **3:40**
